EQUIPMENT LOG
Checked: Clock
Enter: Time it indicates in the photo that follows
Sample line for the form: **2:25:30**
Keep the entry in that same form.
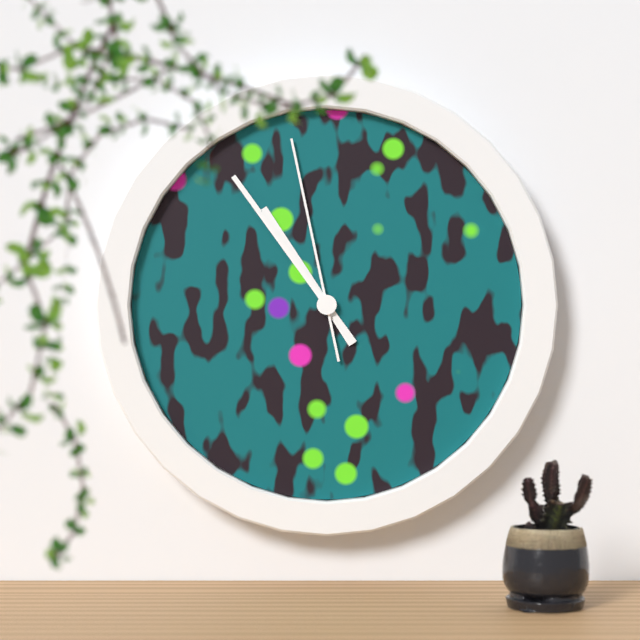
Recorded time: **10:54:58**
